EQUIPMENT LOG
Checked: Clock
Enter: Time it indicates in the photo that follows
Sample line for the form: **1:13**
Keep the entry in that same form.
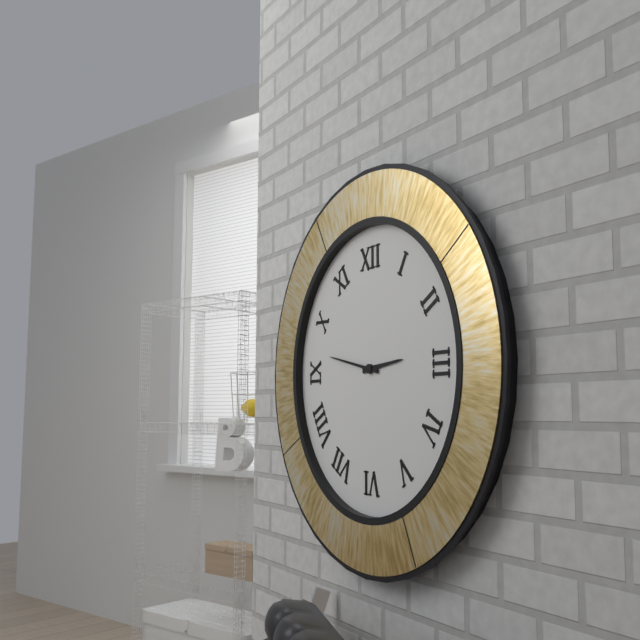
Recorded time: **2:47**
